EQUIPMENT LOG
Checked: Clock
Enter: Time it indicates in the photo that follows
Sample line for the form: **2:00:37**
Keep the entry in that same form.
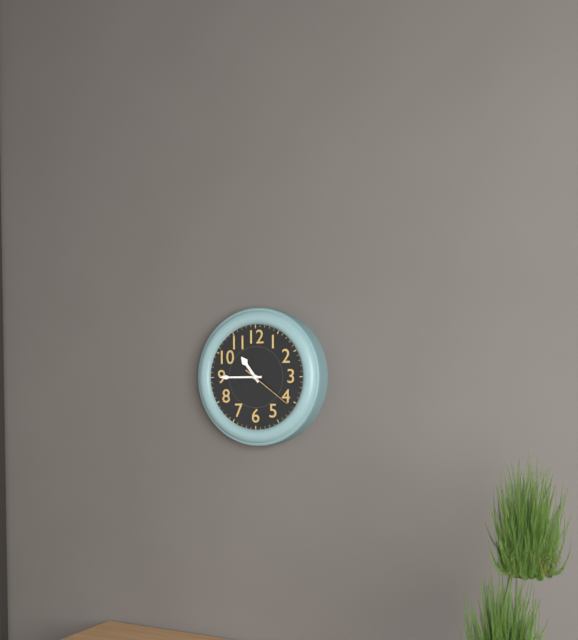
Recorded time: **10:45:21**
